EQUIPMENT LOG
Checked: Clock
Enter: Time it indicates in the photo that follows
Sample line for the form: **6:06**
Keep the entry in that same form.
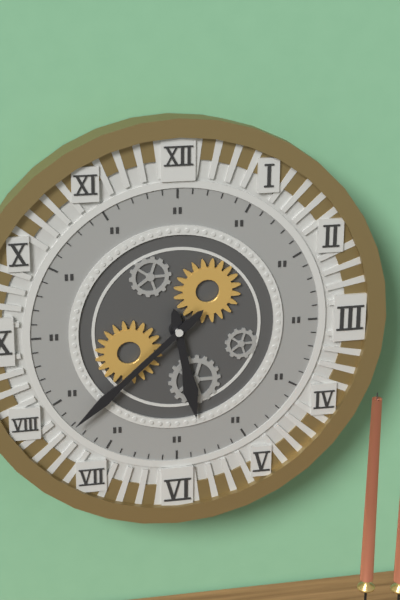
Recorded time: **5:38**
